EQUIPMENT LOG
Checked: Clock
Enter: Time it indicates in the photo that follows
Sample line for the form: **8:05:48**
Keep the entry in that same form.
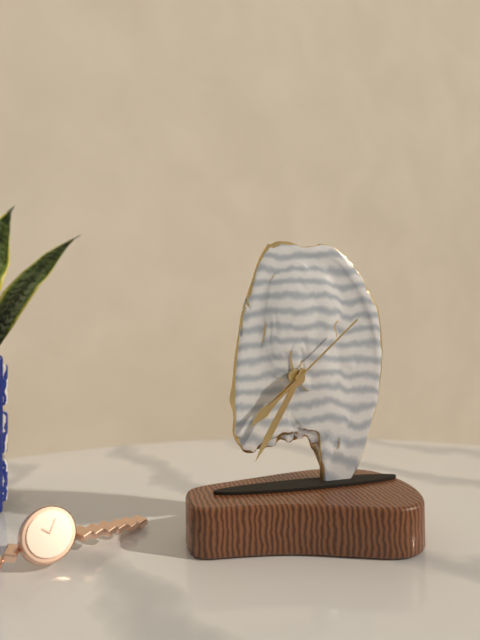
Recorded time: **7:35:08**
